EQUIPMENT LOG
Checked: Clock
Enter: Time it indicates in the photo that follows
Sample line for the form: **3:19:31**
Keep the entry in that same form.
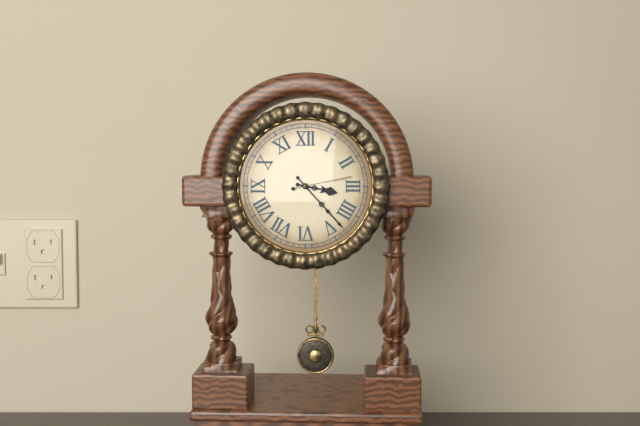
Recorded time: **3:23:13**
